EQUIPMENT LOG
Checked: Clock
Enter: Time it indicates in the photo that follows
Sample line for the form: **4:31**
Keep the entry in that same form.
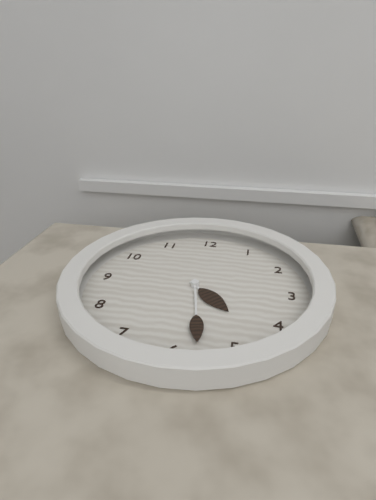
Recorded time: **4:28**
